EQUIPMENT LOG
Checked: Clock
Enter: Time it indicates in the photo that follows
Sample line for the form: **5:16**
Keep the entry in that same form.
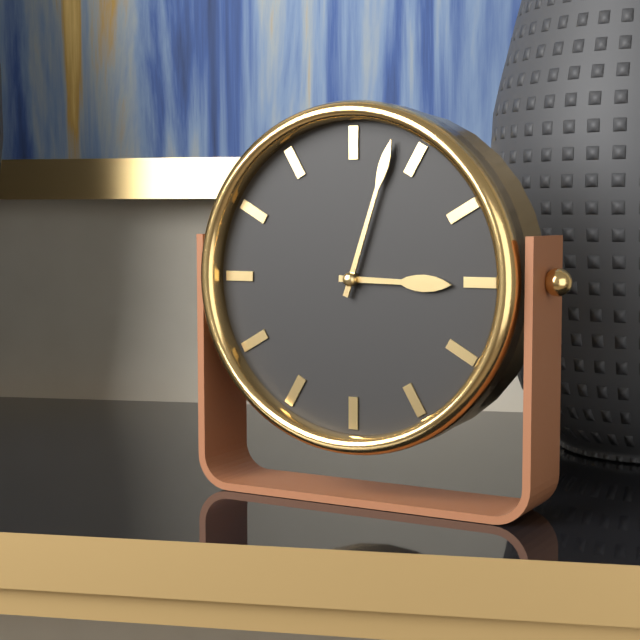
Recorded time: **3:03**
